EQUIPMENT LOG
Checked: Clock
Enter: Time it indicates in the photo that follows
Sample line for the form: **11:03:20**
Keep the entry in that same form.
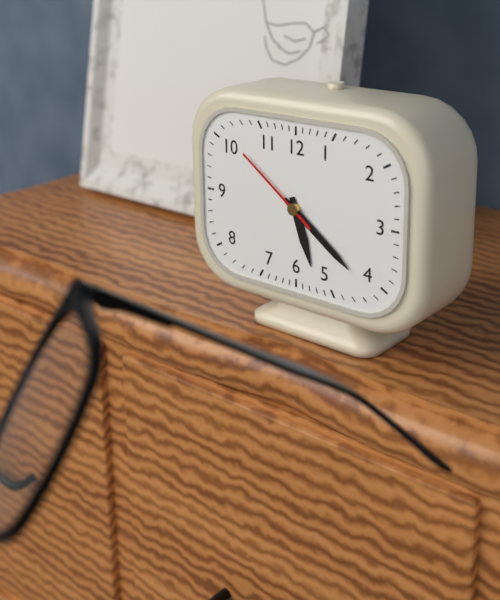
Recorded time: **5:21:51**
